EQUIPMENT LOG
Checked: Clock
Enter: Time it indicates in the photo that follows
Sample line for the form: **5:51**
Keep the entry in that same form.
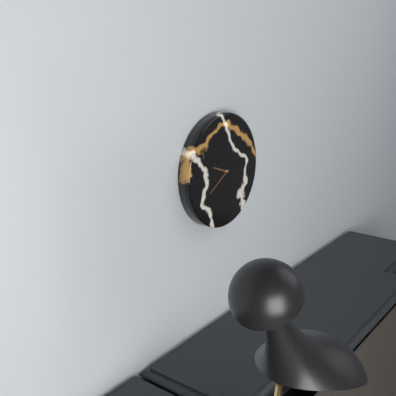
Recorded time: **9:40**
